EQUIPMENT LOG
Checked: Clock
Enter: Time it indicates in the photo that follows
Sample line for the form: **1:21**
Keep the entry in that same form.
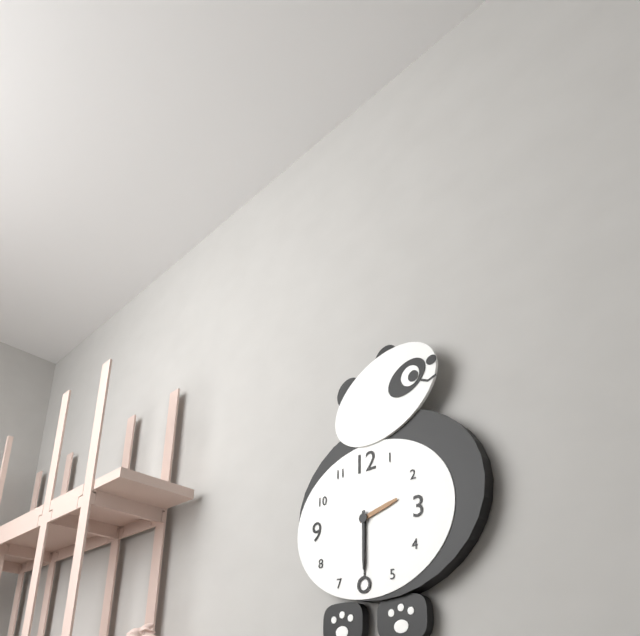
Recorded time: **2:30**
